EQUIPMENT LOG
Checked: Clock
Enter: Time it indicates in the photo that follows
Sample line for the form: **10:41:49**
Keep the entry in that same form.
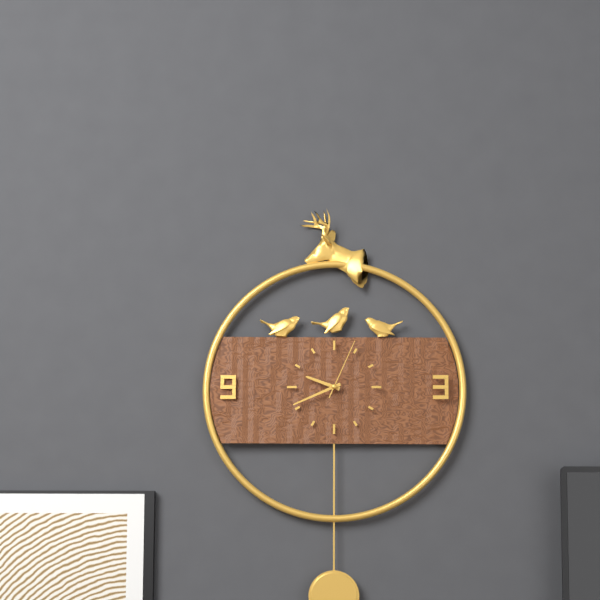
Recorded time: **9:41:04**
